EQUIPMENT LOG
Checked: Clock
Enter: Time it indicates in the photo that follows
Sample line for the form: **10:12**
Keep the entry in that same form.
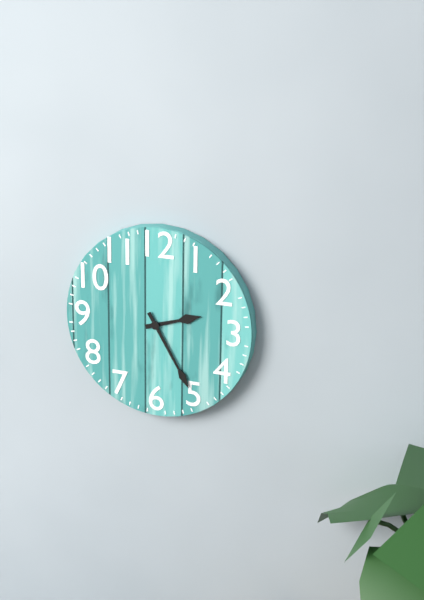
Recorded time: **2:25**
